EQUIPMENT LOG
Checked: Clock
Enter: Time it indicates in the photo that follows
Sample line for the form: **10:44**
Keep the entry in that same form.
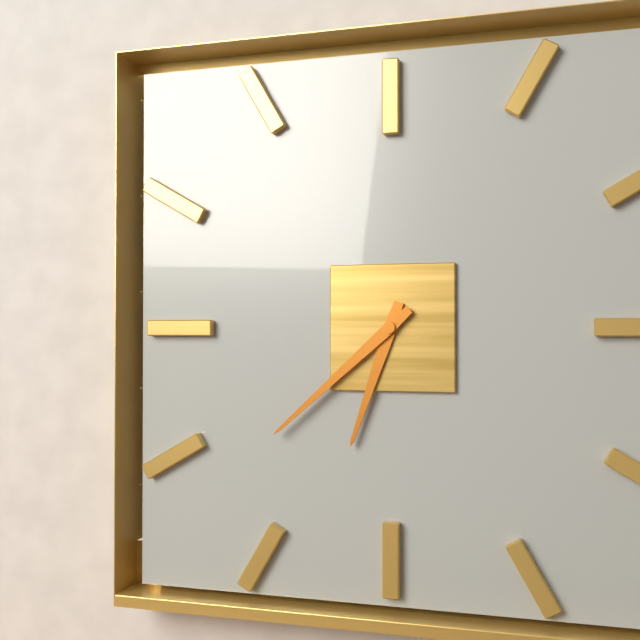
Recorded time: **6:38**
